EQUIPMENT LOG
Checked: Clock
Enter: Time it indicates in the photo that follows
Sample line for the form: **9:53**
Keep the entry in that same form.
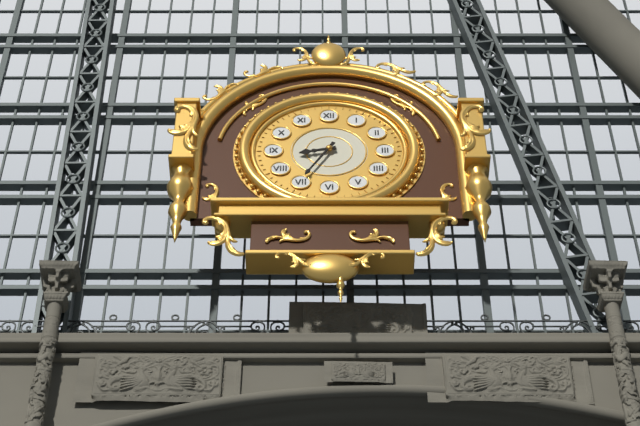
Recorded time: **8:35**
